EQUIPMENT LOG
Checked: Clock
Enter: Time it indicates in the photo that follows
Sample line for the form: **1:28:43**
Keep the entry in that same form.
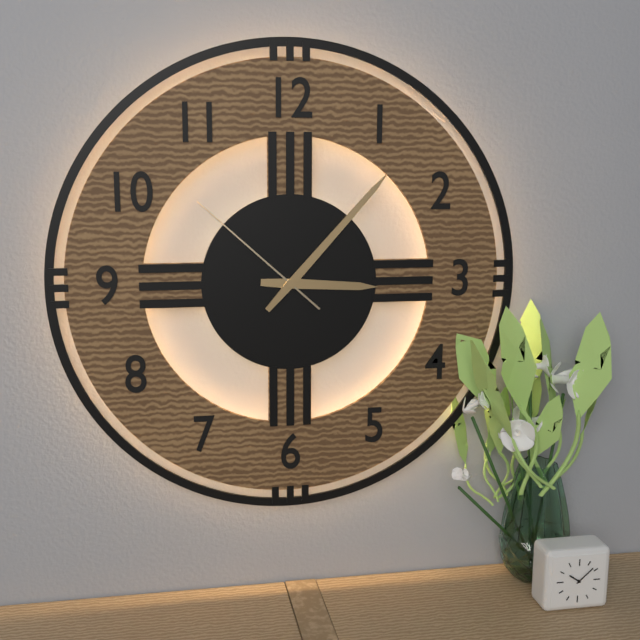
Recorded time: **3:07:52**
